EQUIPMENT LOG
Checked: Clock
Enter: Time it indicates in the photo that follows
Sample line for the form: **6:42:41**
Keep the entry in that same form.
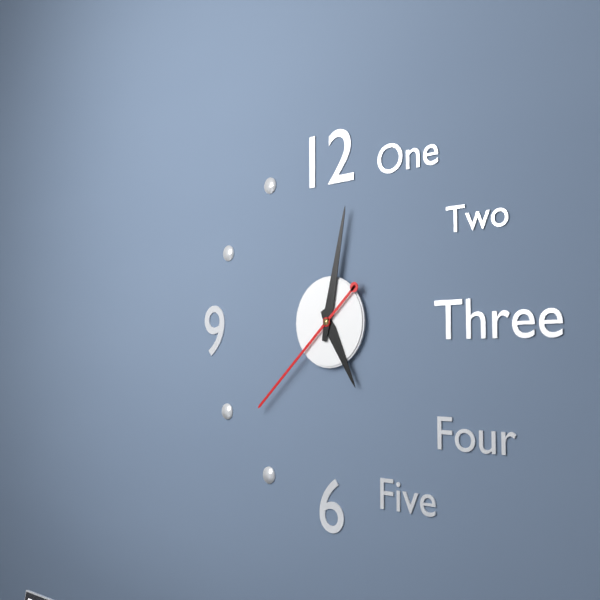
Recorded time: **5:02:38**
